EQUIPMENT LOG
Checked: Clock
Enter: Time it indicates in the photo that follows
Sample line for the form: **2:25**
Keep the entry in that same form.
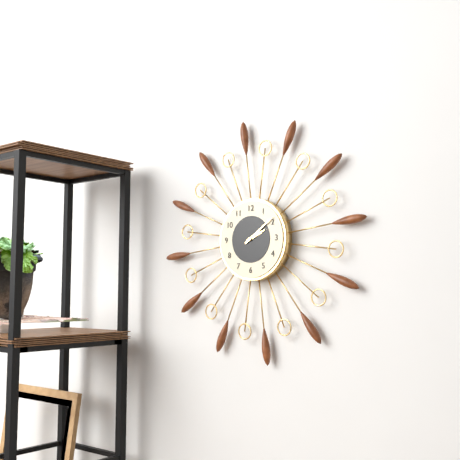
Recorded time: **2:09**
